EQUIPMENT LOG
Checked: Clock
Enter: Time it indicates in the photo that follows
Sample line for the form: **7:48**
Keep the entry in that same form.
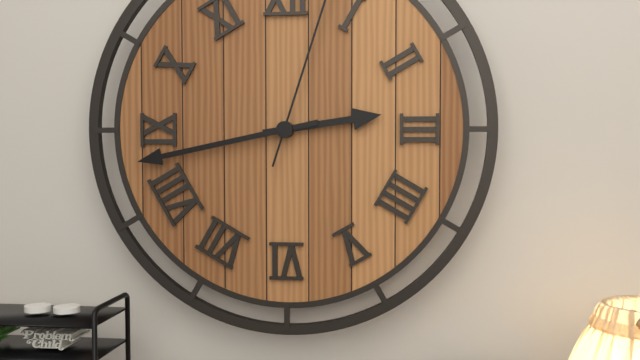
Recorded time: **2:43**
